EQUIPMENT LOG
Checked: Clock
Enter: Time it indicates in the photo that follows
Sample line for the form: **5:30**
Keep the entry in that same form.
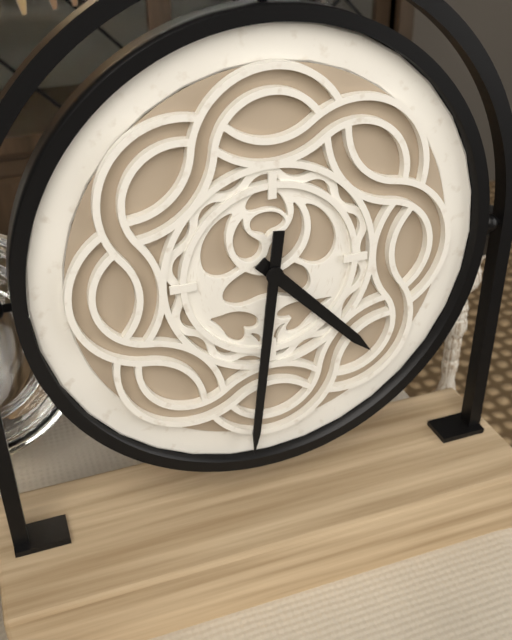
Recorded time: **4:31**
